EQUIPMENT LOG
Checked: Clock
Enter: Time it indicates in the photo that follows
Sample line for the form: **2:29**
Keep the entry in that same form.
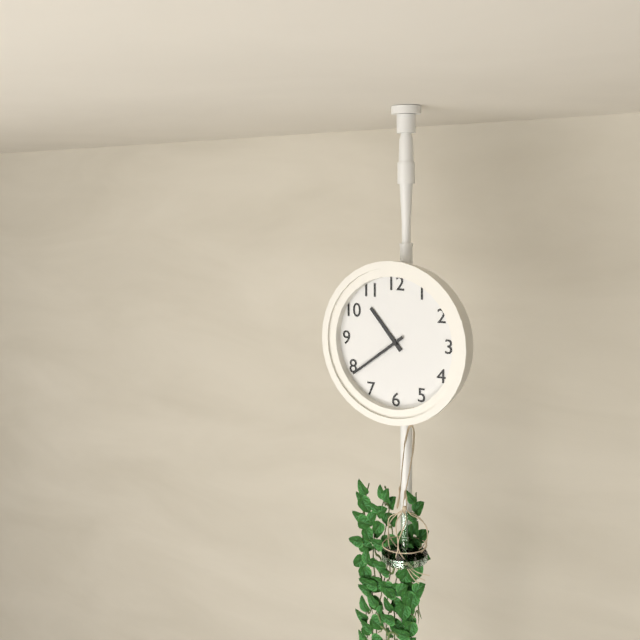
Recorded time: **10:39**
